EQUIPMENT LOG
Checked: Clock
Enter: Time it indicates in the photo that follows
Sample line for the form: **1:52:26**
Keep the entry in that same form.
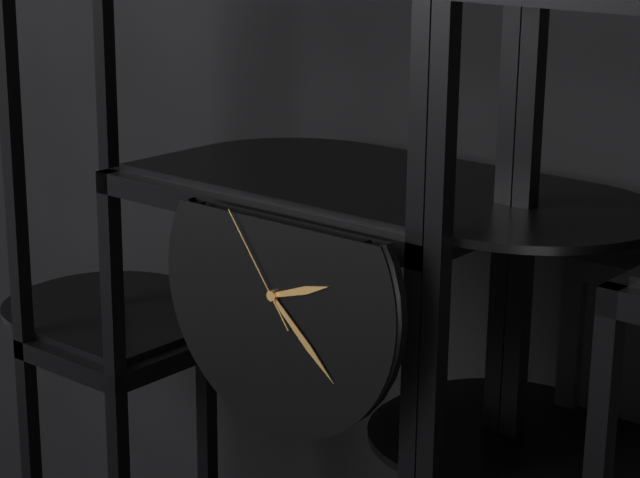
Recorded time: **2:22:54**
